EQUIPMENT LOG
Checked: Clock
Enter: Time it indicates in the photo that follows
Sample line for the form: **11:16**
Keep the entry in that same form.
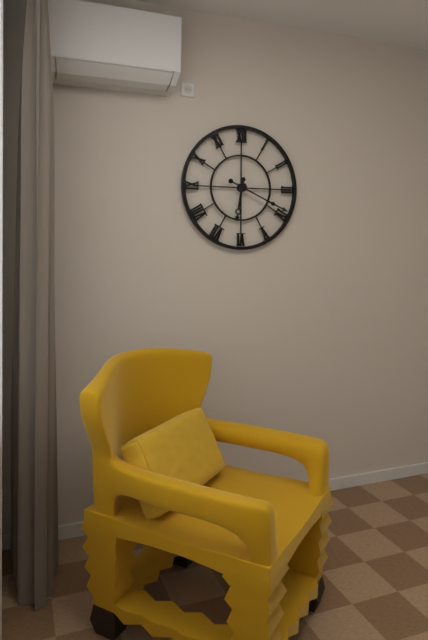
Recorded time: **6:19**
